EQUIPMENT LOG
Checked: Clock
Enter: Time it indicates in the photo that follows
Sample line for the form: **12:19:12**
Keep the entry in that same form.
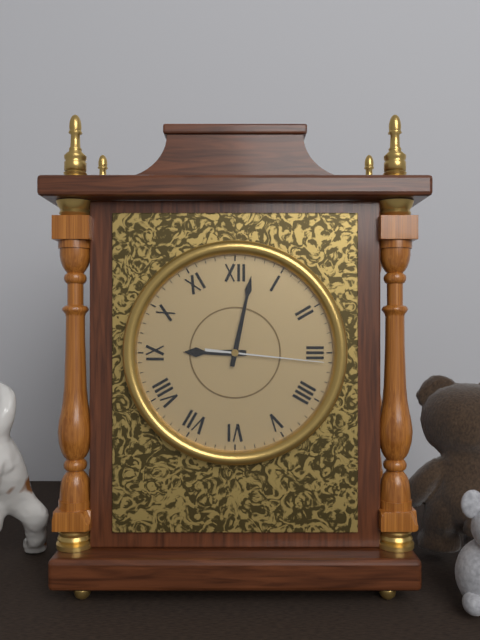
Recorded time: **9:02:16**
